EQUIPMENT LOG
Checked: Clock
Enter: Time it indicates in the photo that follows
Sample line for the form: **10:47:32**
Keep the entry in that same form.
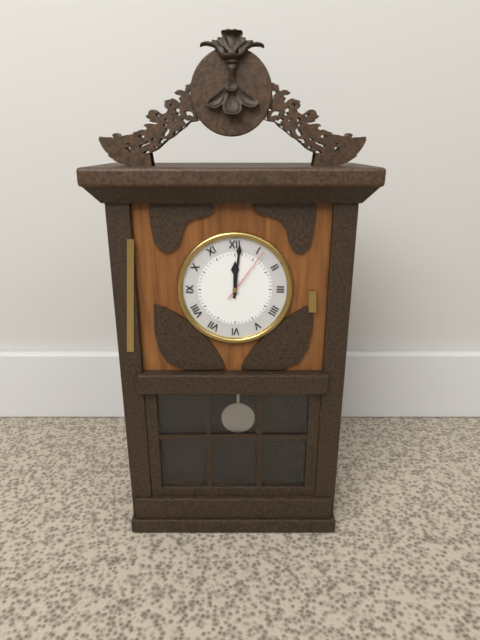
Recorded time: **12:01:06**
